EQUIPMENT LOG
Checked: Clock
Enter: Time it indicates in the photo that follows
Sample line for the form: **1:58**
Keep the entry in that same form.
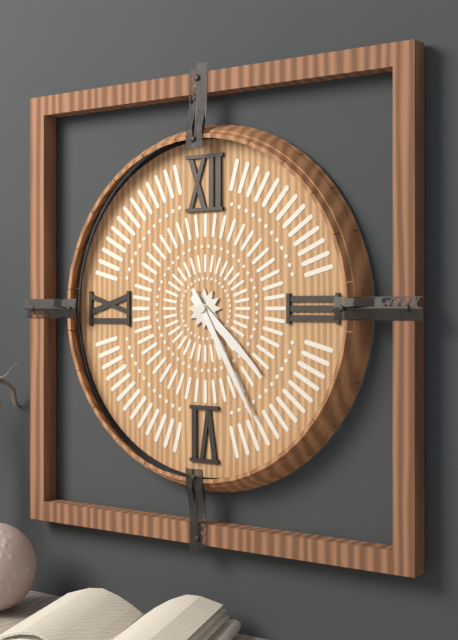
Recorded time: **4:25**
